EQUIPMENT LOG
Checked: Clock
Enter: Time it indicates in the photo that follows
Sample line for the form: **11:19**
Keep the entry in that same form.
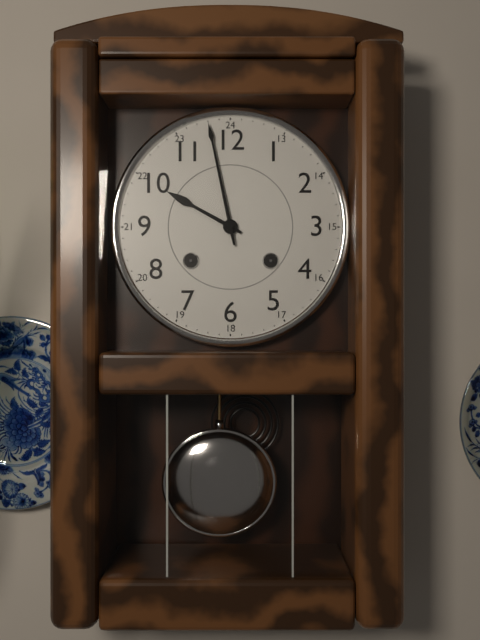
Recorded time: **9:58**
